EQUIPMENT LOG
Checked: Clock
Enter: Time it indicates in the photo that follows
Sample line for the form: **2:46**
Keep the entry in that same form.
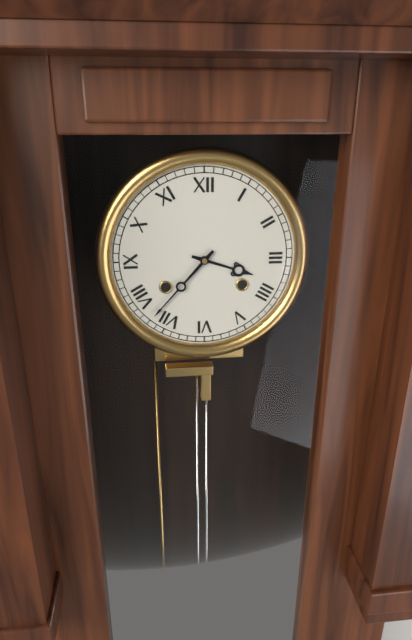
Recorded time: **3:37**
